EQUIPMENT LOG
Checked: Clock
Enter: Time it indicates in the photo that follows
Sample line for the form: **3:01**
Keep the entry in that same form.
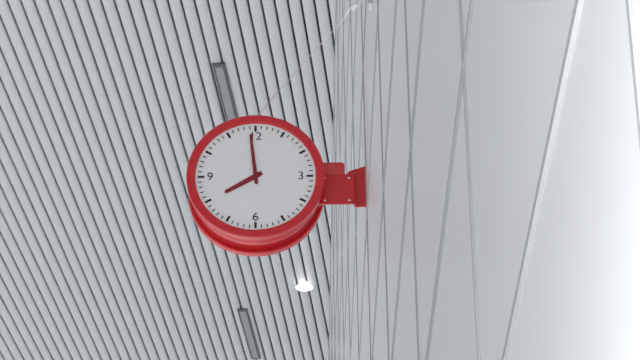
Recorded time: **7:59**
